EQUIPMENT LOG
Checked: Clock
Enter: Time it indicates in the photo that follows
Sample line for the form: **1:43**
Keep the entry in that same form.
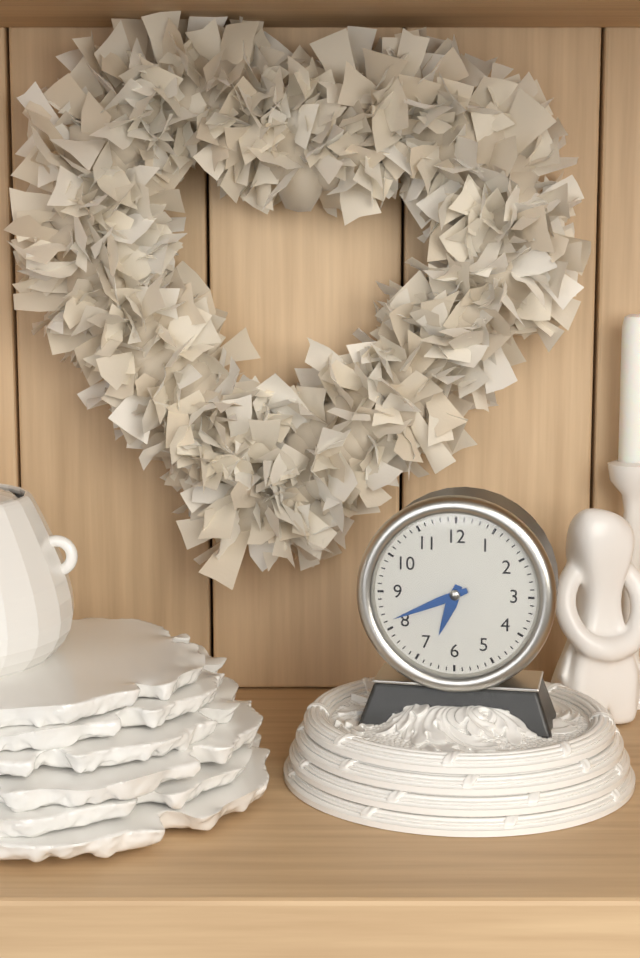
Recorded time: **6:41**
